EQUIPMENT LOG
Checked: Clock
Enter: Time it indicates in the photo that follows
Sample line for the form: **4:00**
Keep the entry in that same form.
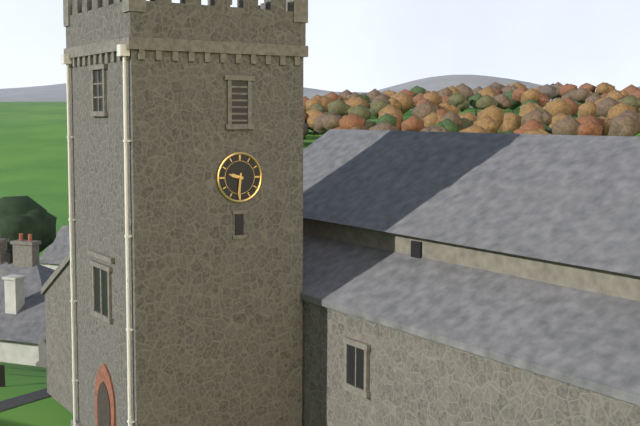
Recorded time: **9:31**
